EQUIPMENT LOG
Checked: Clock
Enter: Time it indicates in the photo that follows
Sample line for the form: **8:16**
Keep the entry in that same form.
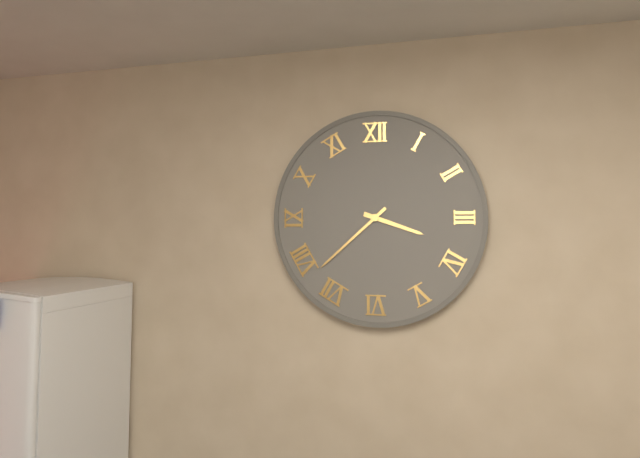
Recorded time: **3:38**
